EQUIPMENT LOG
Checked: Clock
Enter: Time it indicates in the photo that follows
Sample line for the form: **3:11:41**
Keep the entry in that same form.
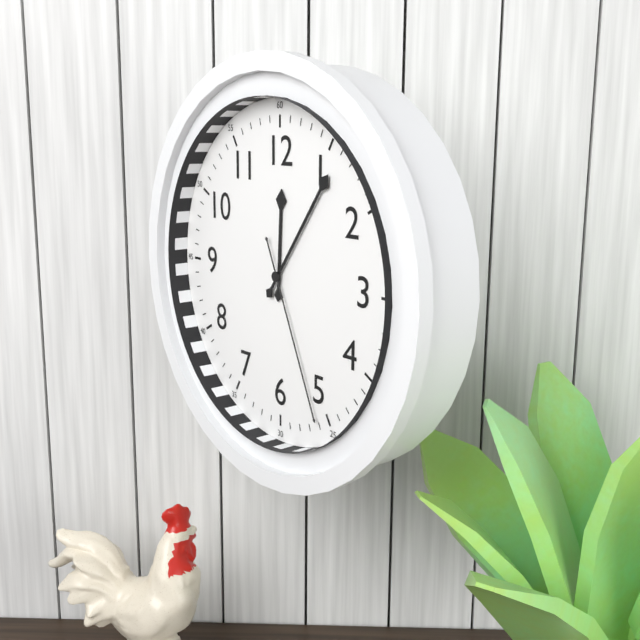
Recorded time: **12:06:26**
